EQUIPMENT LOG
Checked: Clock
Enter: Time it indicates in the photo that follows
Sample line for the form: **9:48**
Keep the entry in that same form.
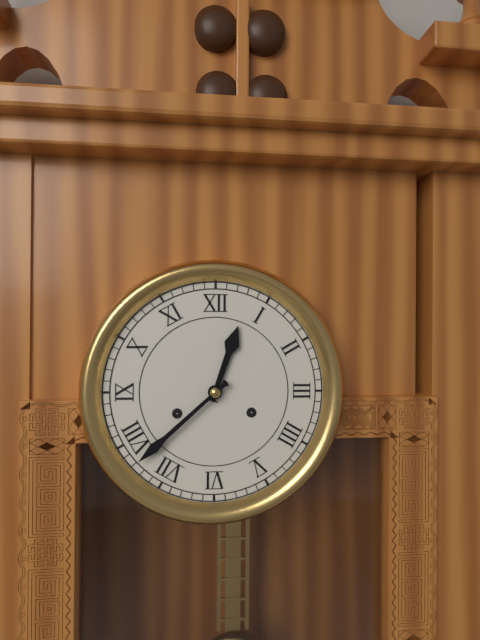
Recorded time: **12:38**
